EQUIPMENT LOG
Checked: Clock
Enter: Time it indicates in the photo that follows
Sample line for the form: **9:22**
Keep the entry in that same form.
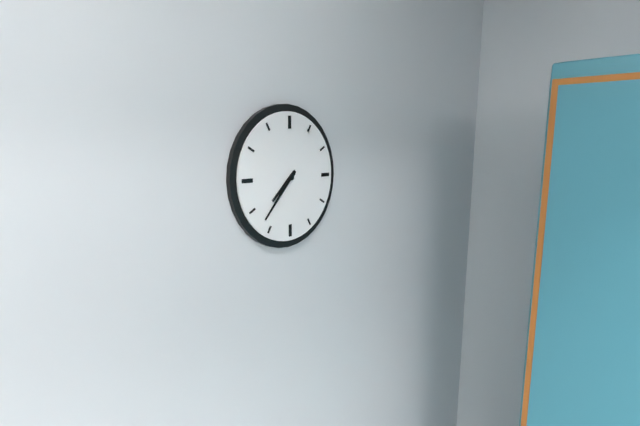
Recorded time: **7:37**
